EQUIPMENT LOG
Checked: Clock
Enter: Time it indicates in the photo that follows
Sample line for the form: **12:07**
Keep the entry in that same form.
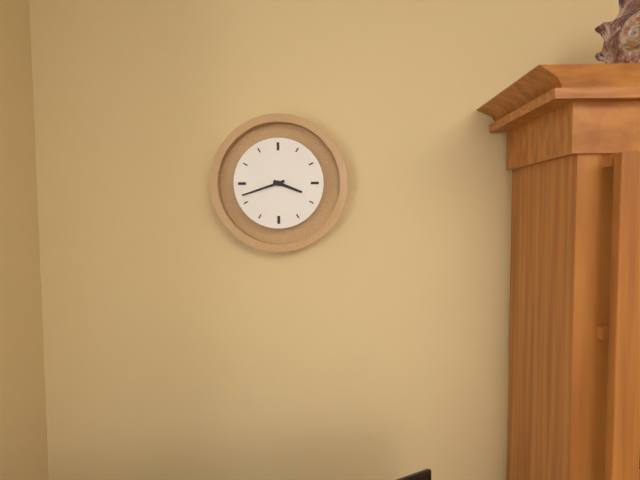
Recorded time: **3:42**
